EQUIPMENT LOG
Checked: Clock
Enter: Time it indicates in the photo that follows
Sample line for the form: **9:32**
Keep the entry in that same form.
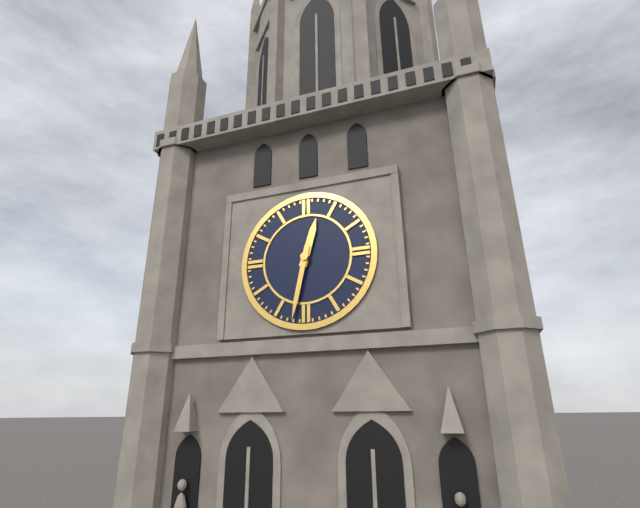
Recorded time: **12:32**
